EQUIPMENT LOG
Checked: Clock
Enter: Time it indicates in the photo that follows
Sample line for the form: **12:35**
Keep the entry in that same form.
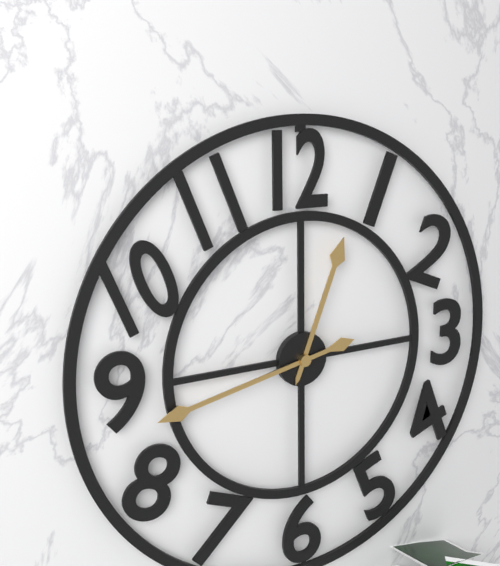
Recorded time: **12:43**
